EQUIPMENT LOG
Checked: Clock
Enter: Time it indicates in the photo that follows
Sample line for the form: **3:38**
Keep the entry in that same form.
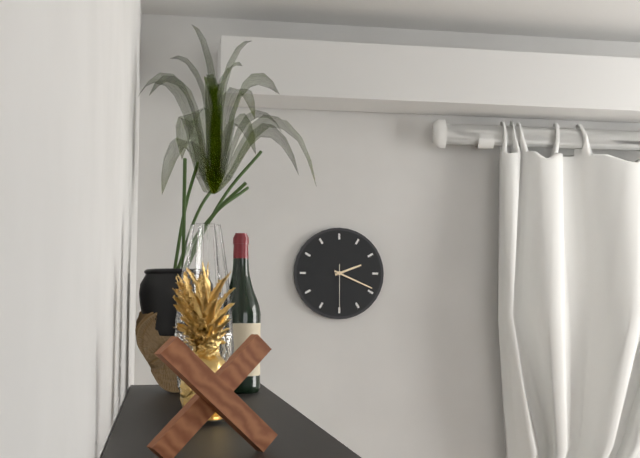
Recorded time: **2:19**
